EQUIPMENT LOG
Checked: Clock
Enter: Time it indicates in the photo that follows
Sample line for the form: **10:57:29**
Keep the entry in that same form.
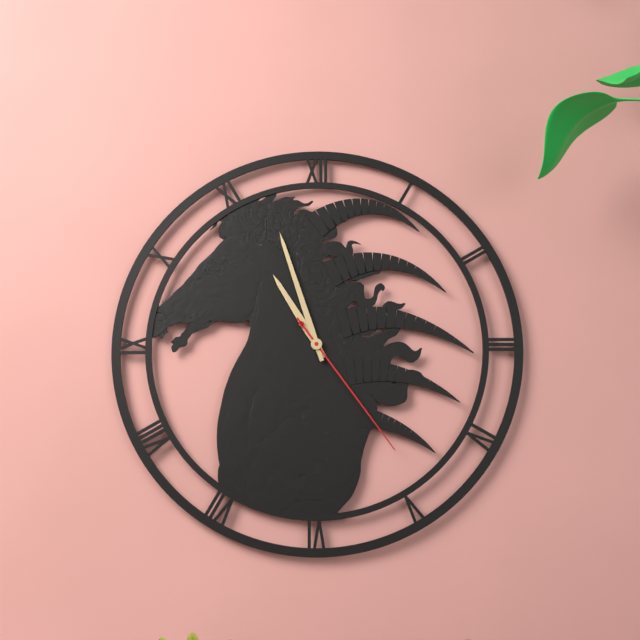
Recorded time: **10:57:24**
